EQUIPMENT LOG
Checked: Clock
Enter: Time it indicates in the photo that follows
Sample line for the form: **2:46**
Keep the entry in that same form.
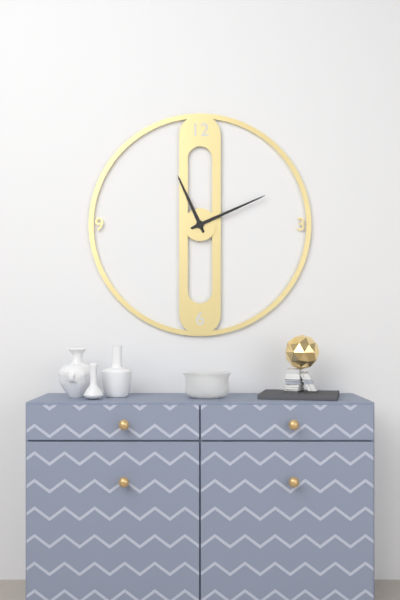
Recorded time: **11:11**
